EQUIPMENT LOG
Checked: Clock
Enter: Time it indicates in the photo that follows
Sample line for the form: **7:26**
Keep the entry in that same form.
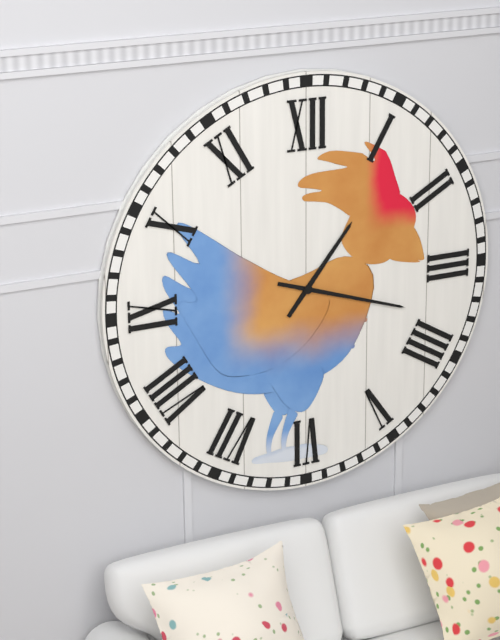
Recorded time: **1:18**
